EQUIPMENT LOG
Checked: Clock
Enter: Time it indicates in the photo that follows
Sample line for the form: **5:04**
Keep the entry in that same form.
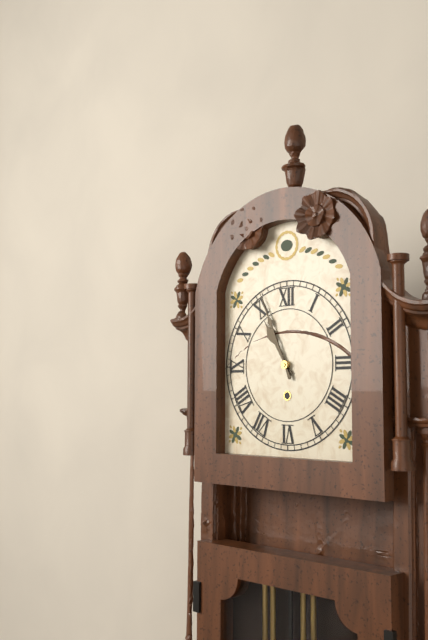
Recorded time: **10:56**
